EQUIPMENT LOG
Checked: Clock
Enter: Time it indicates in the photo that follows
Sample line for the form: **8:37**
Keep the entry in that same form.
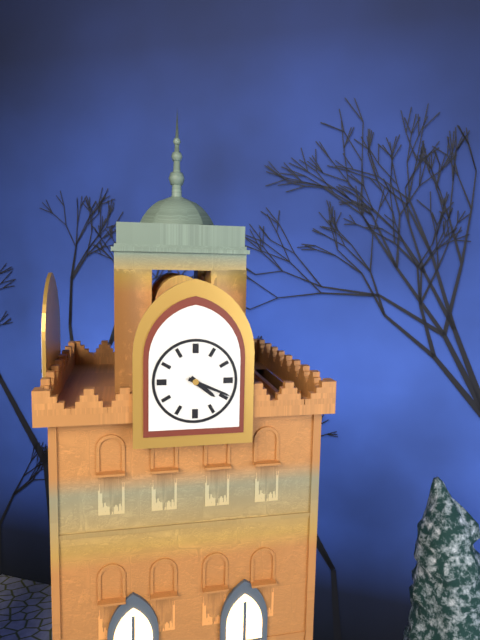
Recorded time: **4:19**
